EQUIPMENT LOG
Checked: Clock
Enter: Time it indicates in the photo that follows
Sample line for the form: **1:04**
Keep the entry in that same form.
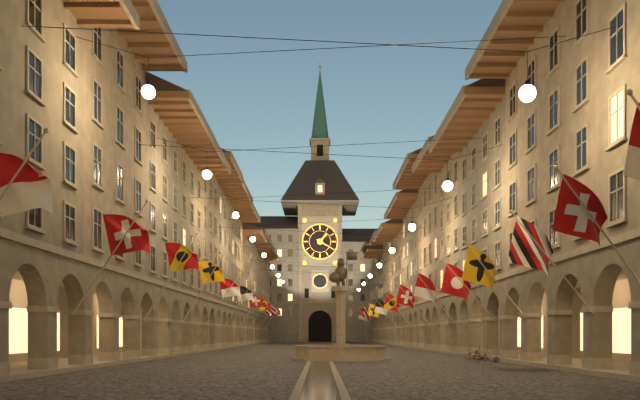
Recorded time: **1:20**
